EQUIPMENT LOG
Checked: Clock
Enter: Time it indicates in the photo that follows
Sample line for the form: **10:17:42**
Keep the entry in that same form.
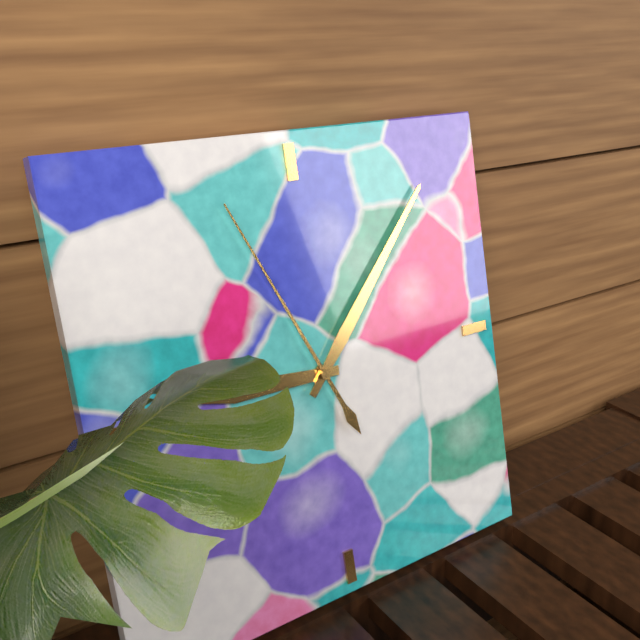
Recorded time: **9:07:56**
